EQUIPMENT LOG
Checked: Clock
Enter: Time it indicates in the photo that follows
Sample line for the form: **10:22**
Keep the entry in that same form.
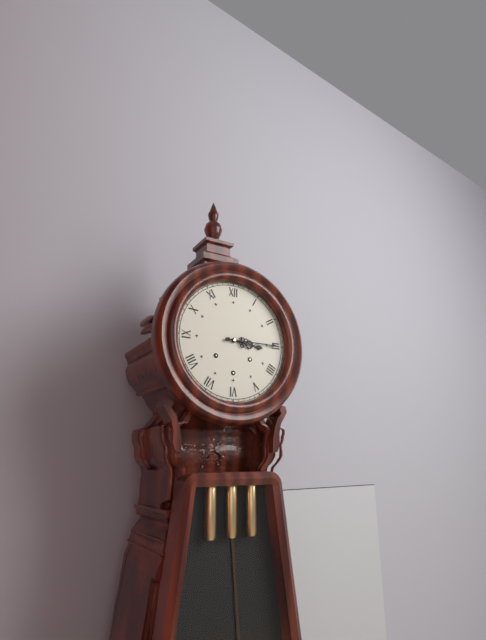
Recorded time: **3:15**
